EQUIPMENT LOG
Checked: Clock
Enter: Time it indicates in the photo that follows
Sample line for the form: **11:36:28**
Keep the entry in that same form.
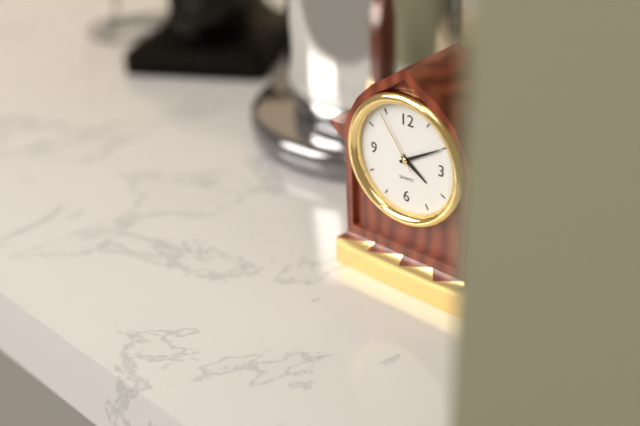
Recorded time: **4:10:54**
